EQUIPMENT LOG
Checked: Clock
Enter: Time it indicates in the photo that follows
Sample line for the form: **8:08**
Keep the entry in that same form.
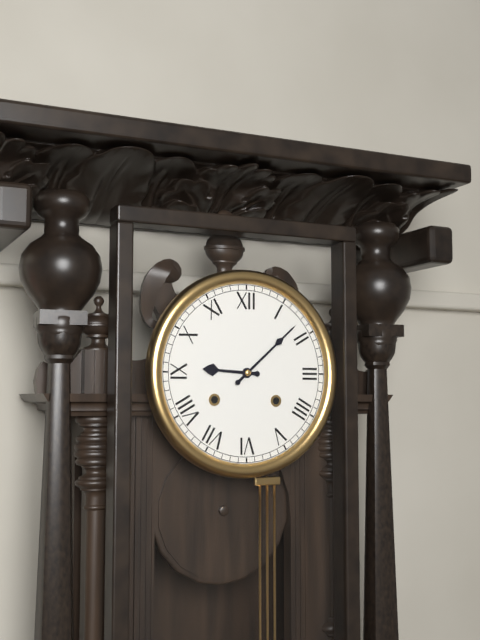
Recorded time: **9:08**
